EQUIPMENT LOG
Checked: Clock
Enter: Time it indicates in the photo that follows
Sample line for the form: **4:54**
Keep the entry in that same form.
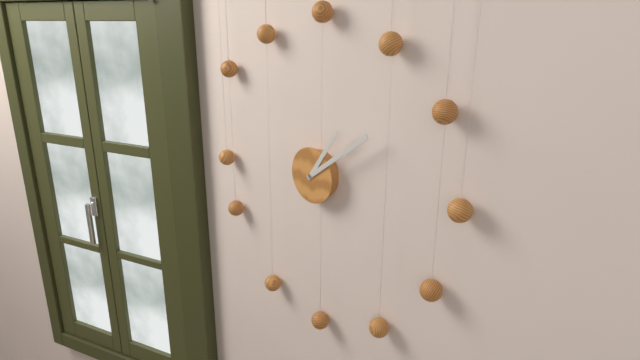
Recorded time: **1:09**
